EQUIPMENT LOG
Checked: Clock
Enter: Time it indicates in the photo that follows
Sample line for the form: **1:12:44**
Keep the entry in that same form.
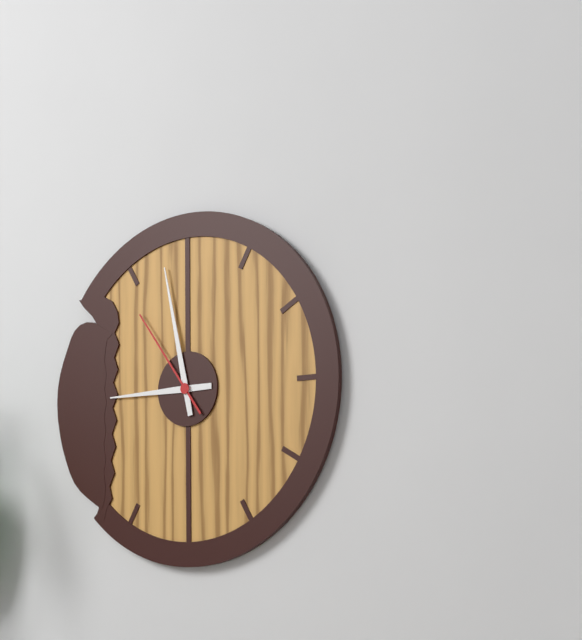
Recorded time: **8:58:54**
